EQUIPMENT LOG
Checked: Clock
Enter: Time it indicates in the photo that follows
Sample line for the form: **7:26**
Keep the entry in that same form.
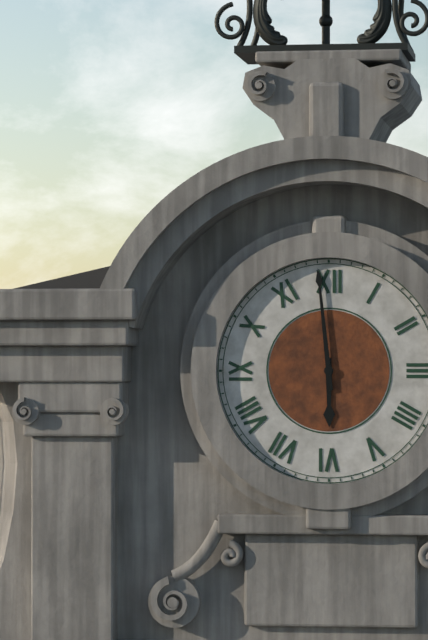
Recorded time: **5:59**
